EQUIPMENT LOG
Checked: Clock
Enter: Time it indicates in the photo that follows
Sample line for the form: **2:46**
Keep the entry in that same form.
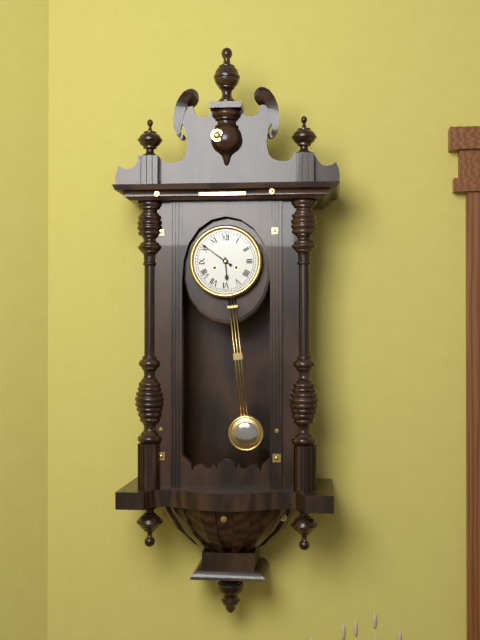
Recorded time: **5:51**
